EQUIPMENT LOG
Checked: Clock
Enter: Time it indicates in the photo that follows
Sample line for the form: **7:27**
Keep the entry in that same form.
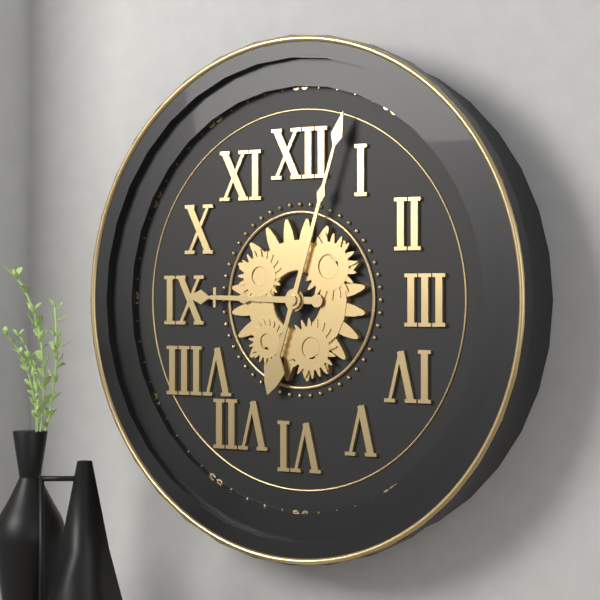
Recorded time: **9:03**
